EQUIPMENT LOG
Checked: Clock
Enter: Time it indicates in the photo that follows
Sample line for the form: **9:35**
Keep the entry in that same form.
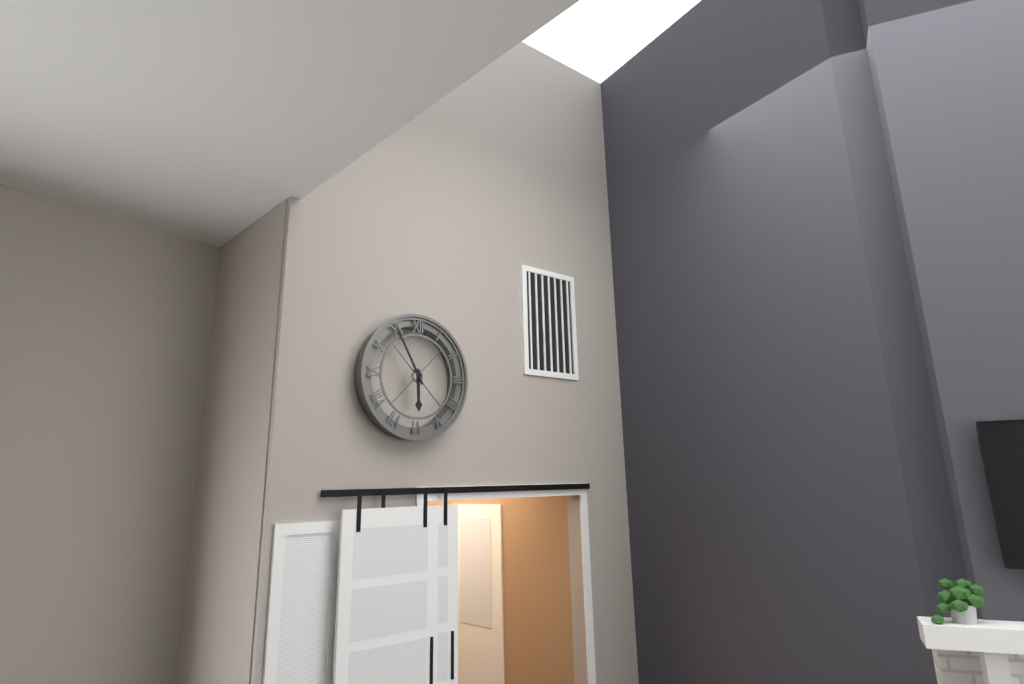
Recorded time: **5:55**
